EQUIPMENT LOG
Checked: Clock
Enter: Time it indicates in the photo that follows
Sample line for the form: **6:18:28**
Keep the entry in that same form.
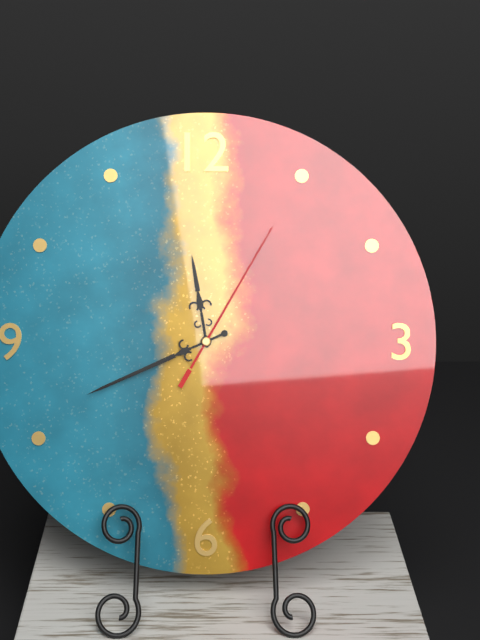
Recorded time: **11:41:05**
